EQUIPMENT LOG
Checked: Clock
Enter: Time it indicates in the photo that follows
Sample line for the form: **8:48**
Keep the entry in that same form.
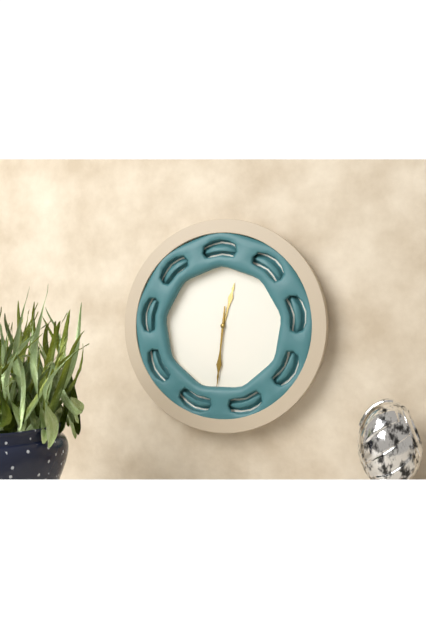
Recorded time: **12:31**
